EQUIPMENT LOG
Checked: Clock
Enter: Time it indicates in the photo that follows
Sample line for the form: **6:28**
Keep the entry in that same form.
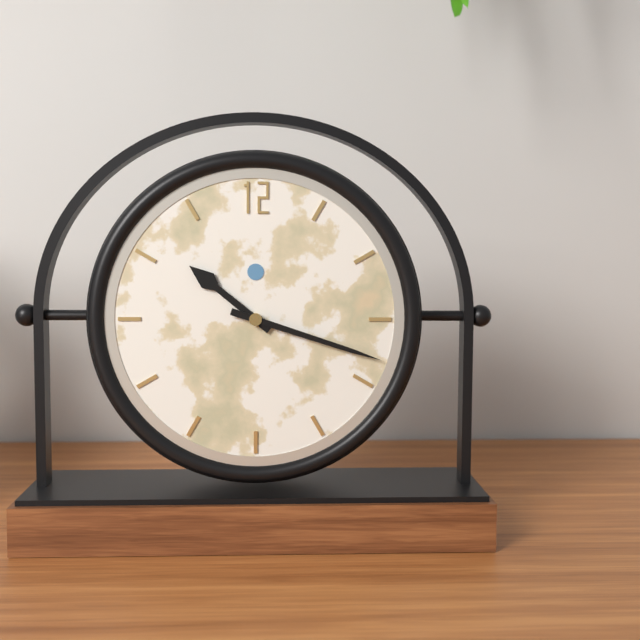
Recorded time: **10:18**
